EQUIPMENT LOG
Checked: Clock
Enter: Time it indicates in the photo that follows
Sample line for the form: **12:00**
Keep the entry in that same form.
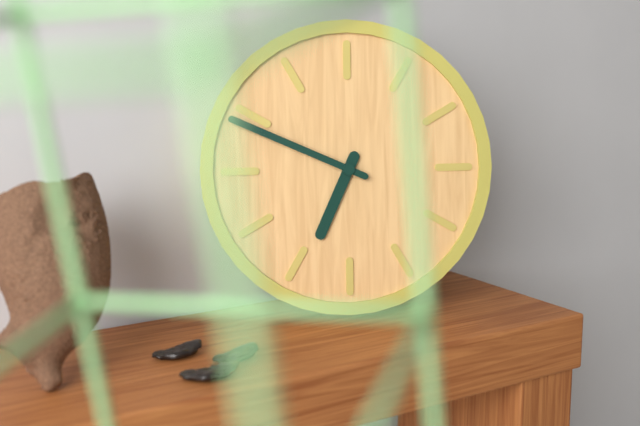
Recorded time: **6:49**
